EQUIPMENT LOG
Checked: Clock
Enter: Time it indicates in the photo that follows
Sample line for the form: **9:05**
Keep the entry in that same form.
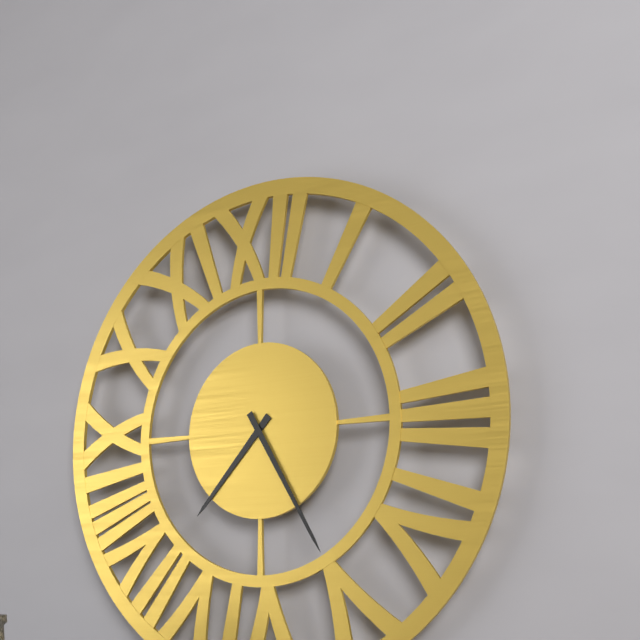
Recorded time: **7:25**
